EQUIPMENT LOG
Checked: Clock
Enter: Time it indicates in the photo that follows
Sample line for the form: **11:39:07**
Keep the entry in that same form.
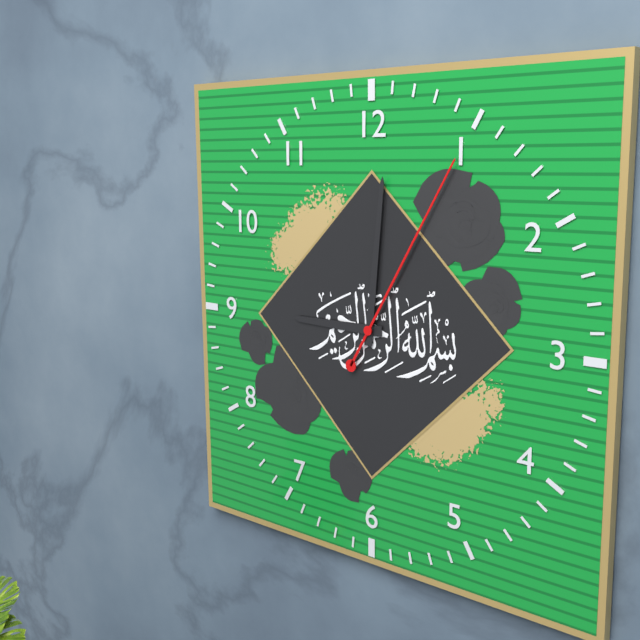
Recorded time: **9:01:05**
